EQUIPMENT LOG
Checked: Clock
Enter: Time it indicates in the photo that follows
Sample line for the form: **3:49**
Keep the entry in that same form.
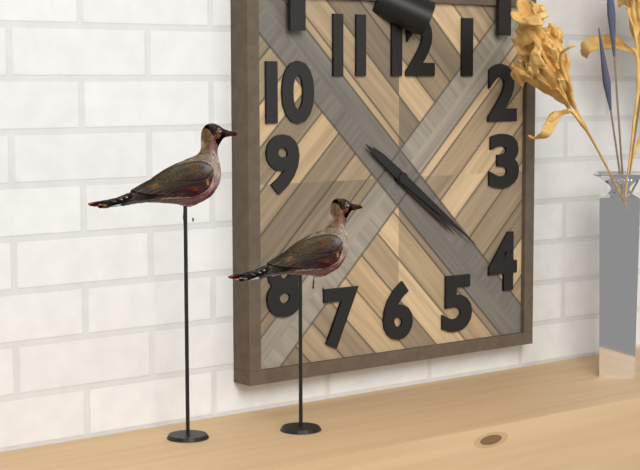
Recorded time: **4:21**
